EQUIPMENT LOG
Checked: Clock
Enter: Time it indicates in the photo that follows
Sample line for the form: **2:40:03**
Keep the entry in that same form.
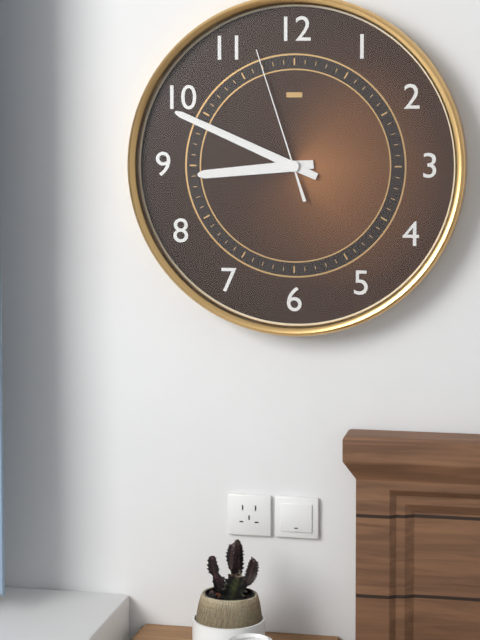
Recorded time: **8:49:57**
